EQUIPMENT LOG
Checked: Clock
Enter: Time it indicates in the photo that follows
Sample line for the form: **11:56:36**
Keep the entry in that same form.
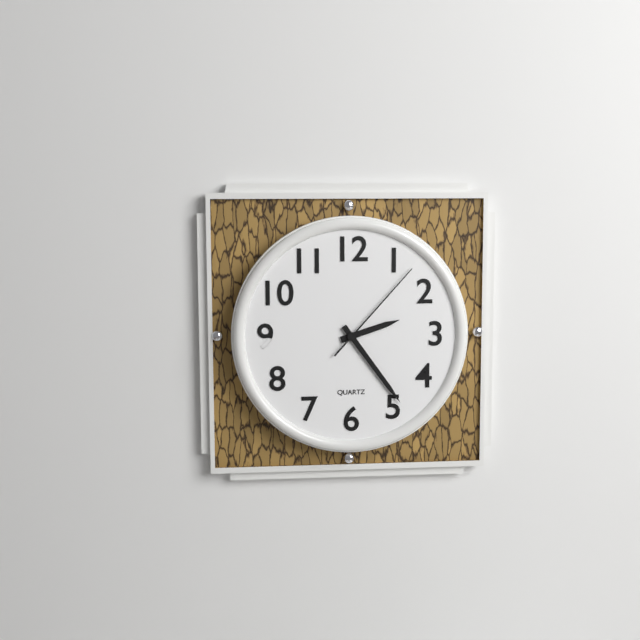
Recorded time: **2:24:07**
